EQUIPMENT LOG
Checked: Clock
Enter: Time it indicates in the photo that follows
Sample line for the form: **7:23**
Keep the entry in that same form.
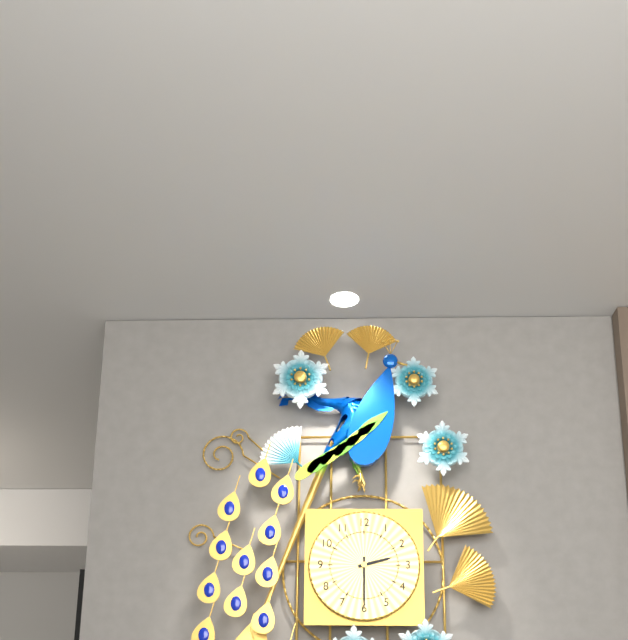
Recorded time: **2:30**
